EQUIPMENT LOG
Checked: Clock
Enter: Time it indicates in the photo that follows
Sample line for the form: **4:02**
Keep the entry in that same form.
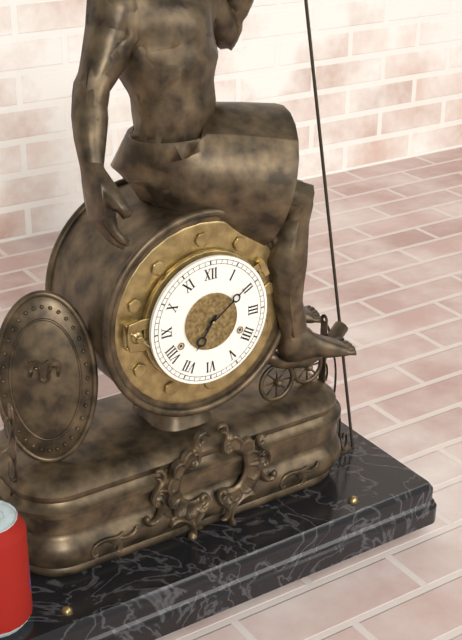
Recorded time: **7:09**
